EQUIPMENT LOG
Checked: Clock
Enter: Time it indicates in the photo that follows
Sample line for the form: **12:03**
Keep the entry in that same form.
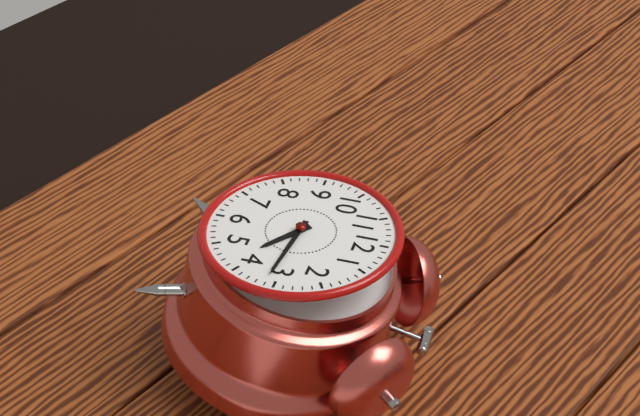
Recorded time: **4:16**
